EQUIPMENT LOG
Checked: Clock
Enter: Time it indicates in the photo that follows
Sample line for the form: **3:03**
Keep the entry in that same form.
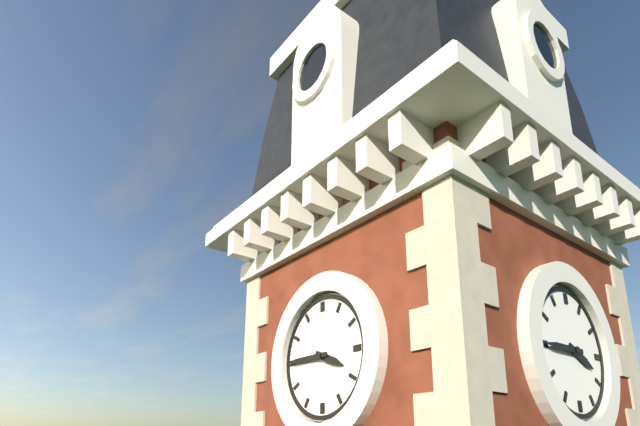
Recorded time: **3:45**
